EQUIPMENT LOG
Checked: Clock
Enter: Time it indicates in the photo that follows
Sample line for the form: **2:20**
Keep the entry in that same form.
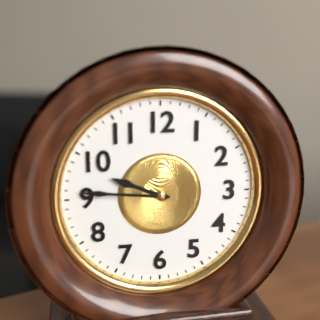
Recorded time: **9:46**
